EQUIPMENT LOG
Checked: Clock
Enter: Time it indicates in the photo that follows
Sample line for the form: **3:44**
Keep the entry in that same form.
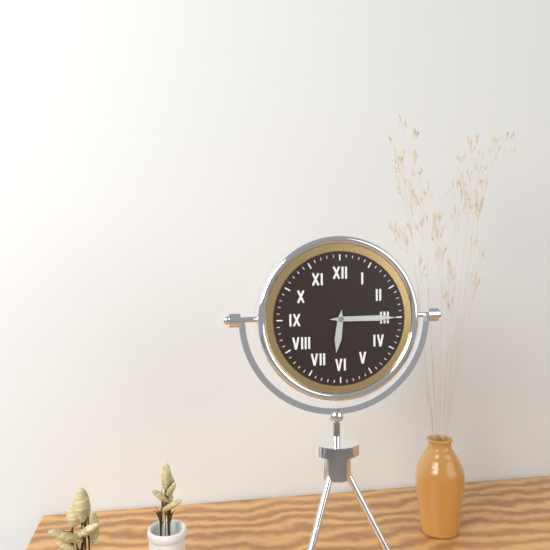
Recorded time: **6:15**
